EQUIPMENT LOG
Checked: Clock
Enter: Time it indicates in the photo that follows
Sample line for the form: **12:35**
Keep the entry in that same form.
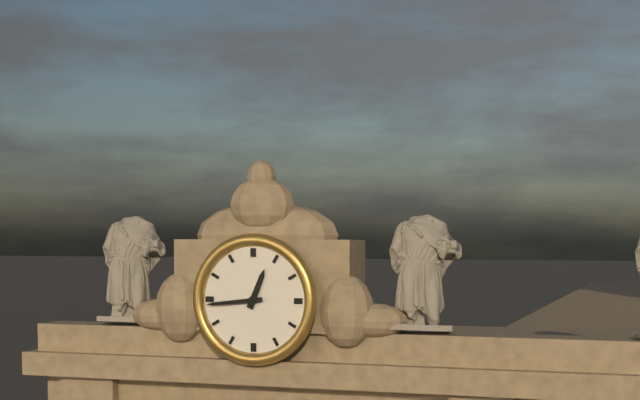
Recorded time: **12:44**
